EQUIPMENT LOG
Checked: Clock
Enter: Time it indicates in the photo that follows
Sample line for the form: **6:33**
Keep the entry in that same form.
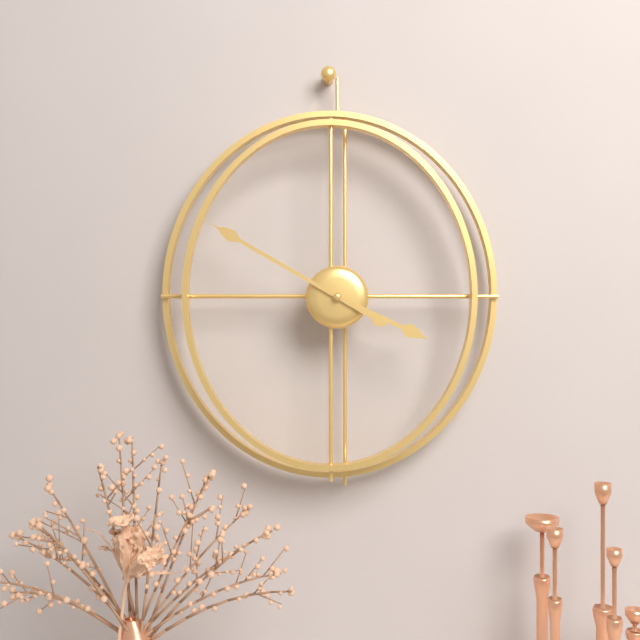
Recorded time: **3:50**
